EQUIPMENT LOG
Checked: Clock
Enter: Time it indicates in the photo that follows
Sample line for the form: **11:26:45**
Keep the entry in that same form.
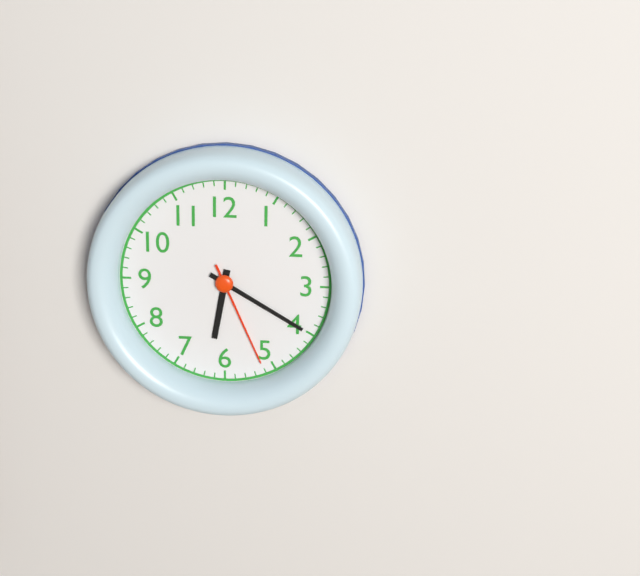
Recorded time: **6:20:26**
